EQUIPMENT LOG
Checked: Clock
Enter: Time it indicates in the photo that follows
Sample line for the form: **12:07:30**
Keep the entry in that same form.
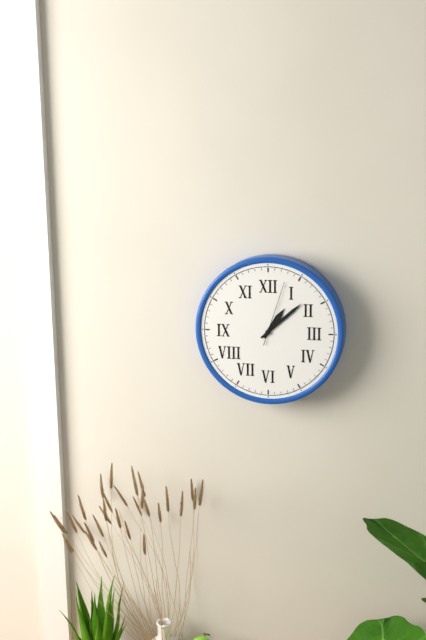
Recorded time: **1:08:03**
